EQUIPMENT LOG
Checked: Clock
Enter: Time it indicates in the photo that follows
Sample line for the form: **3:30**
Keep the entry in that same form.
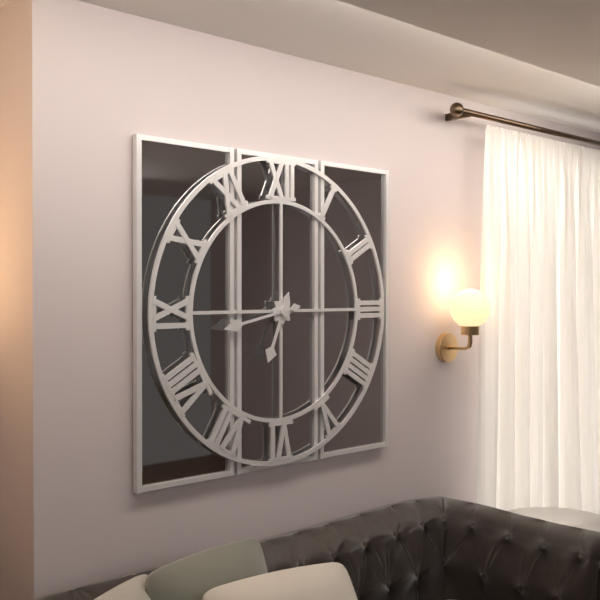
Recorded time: **6:43**
